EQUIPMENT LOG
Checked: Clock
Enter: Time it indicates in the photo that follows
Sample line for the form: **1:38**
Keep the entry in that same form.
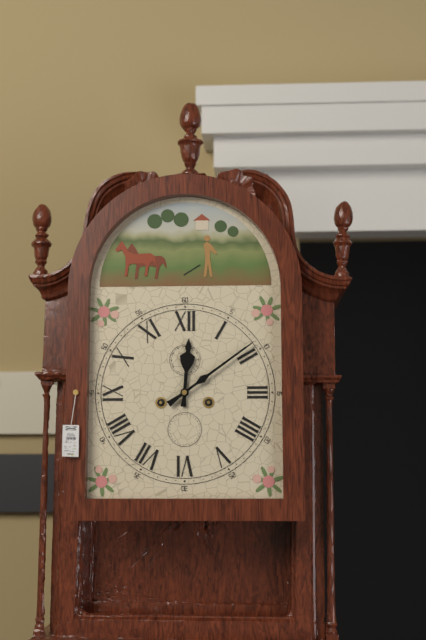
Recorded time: **12:09**
